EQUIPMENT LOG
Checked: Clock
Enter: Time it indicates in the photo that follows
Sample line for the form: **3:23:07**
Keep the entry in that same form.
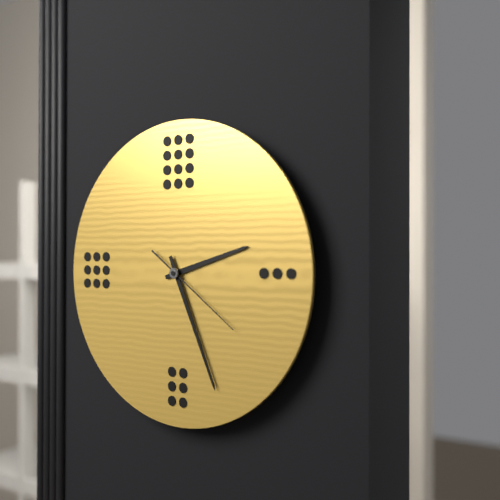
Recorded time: **2:26:21**
